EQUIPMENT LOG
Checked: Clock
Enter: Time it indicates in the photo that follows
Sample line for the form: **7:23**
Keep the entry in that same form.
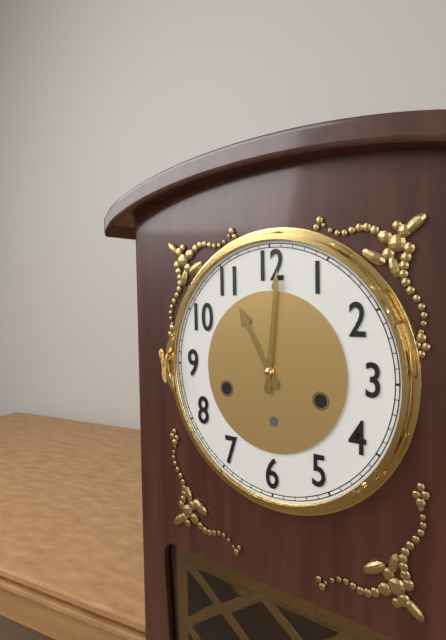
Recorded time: **11:01**
